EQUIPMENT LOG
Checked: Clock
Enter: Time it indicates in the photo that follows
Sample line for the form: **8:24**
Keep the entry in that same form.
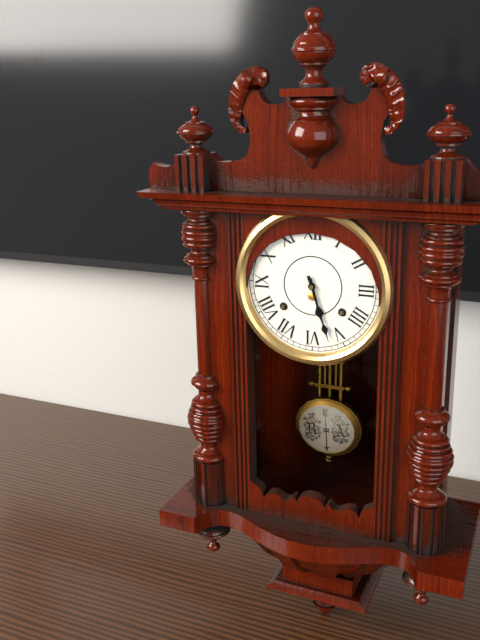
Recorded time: **5:27**
